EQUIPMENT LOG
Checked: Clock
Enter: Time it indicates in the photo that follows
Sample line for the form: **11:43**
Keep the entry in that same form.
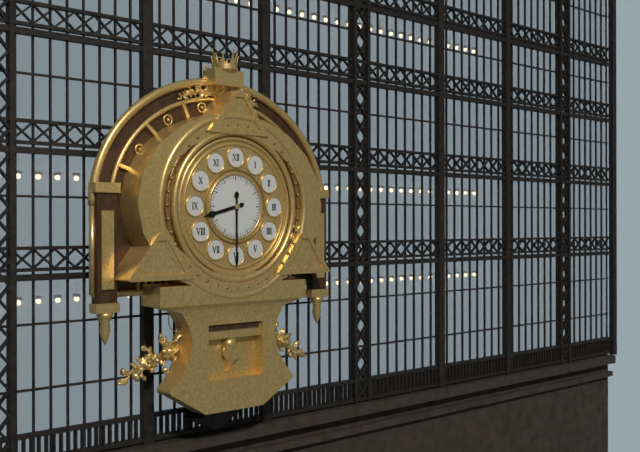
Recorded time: **8:30**
